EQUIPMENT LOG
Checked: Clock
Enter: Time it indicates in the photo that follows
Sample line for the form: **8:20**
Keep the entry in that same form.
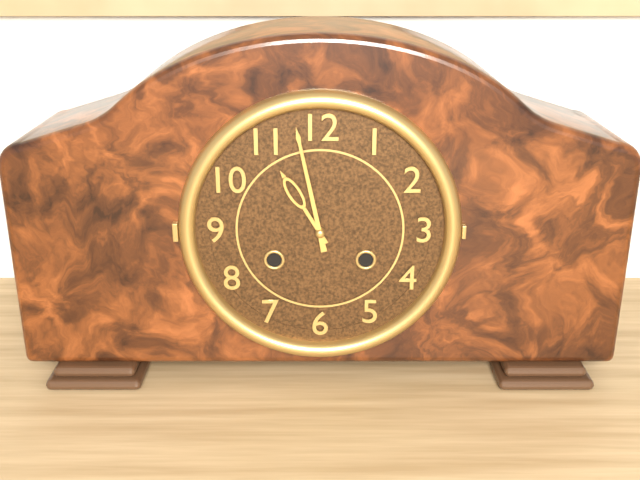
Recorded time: **10:58**
